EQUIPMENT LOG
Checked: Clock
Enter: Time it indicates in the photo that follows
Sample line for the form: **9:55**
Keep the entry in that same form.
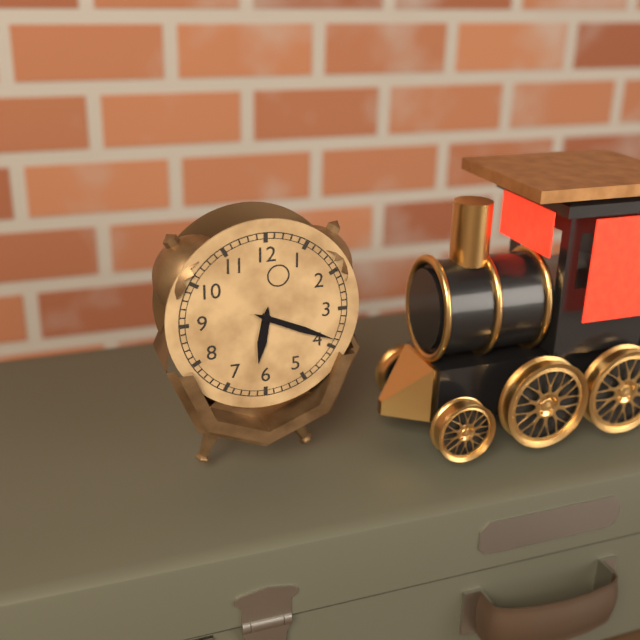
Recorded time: **6:19**
